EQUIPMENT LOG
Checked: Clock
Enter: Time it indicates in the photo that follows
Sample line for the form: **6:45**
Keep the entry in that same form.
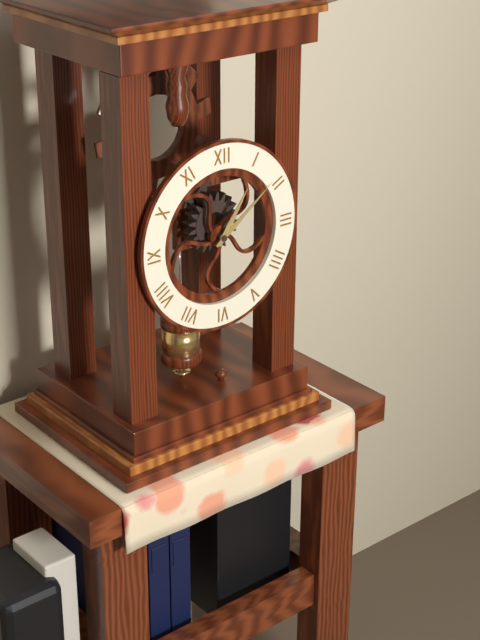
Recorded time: **1:09**
